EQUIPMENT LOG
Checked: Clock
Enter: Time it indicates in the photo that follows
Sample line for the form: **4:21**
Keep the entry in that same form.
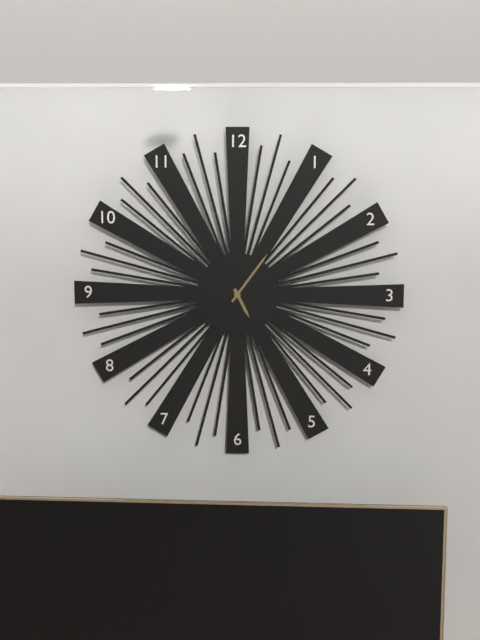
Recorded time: **5:06**
